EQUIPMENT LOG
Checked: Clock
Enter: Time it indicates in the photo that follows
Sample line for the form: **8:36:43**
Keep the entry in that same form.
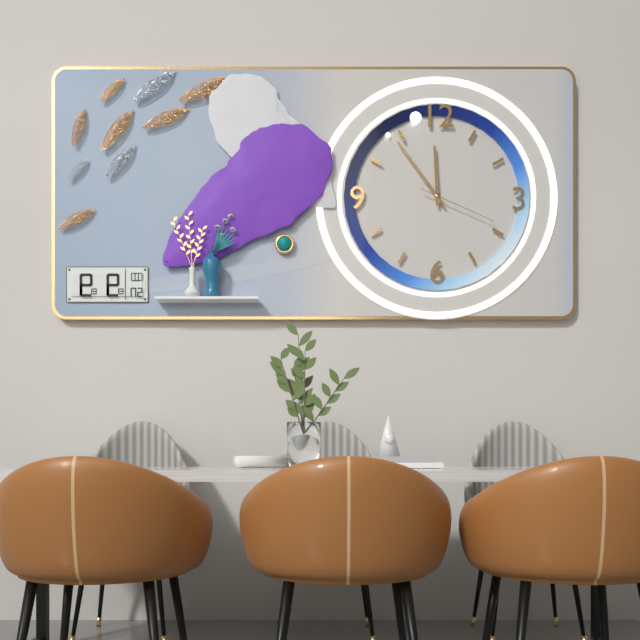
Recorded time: **11:54:19**
